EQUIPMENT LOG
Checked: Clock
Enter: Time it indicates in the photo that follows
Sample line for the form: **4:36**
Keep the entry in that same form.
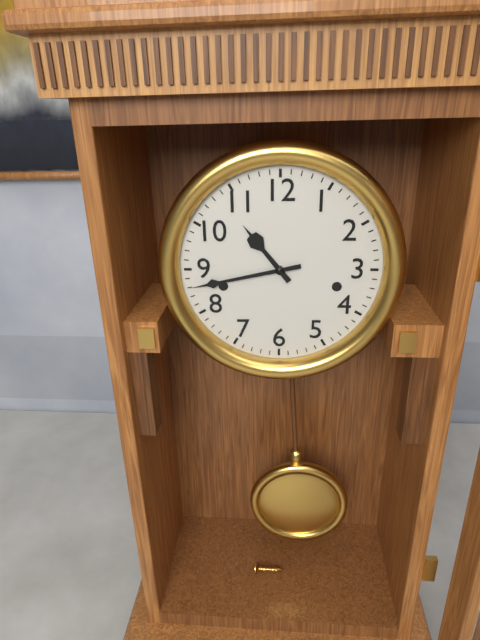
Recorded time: **10:43**
